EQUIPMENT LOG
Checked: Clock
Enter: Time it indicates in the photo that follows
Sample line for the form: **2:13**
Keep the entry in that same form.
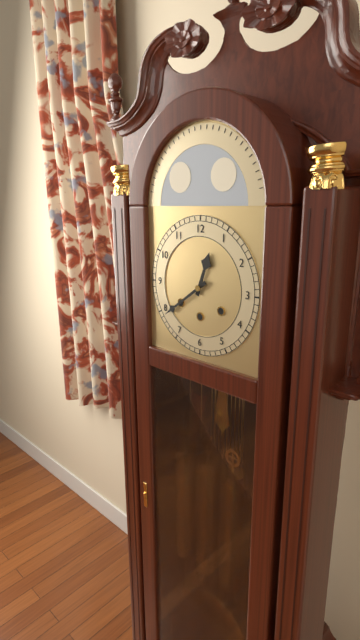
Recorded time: **12:39**
